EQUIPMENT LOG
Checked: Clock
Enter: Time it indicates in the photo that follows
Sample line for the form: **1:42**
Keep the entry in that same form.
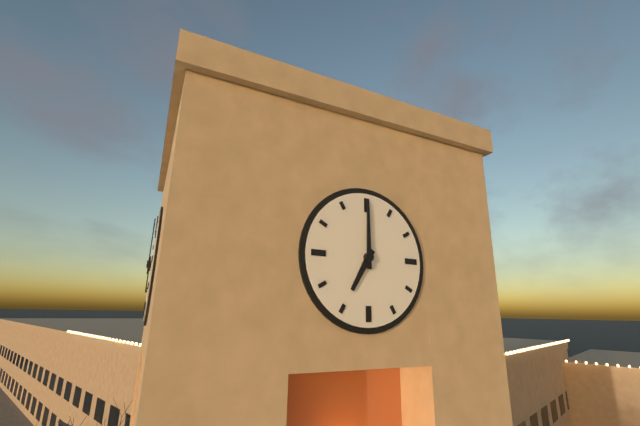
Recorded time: **7:00**
